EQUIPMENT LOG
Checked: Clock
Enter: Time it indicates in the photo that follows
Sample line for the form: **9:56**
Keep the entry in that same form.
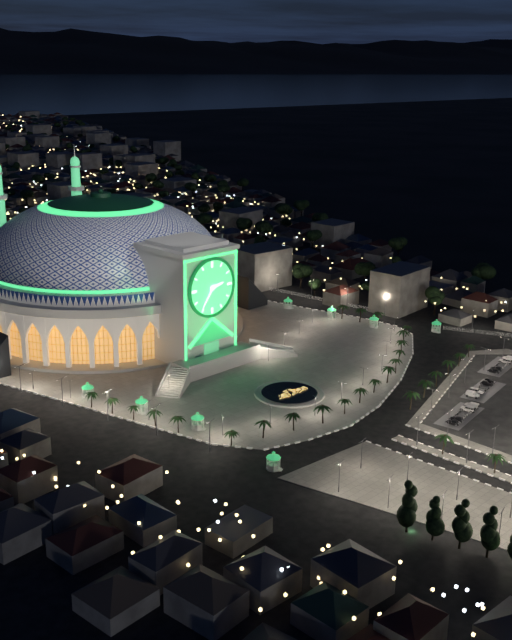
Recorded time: **2:36**
